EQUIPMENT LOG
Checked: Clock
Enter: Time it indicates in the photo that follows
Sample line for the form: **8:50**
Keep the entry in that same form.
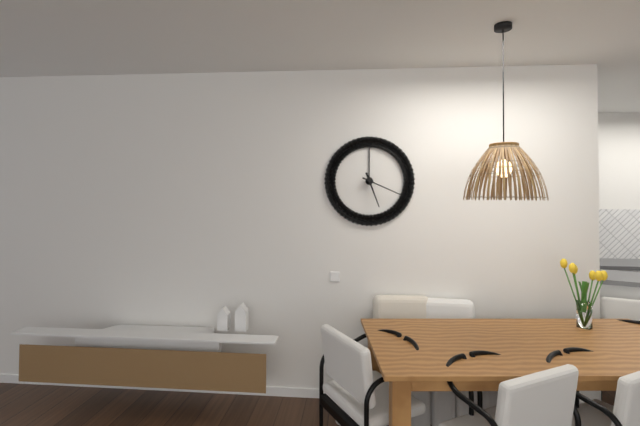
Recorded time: **5:19**
